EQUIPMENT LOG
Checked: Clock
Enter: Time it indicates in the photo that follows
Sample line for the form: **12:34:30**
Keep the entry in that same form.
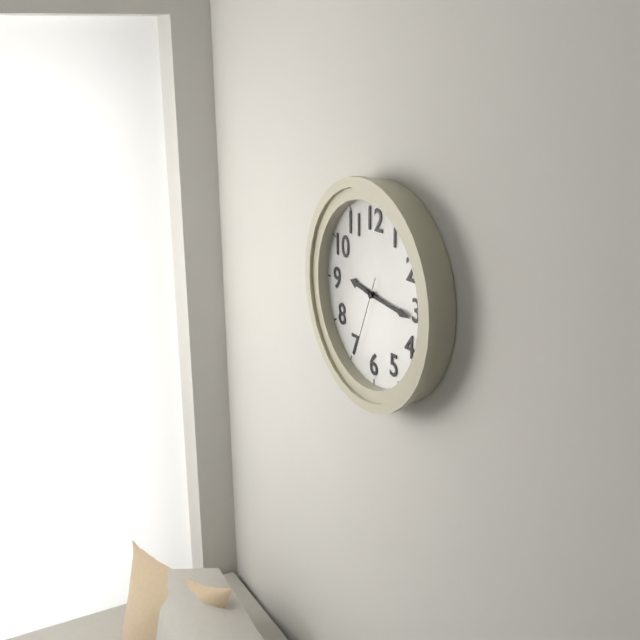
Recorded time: **9:16:34**
